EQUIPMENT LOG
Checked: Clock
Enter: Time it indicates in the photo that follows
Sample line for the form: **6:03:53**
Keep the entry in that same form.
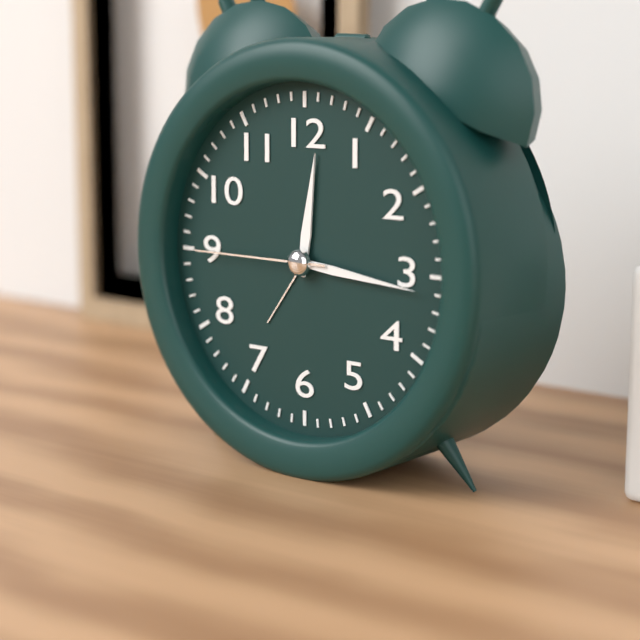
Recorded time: **12:16:45**
